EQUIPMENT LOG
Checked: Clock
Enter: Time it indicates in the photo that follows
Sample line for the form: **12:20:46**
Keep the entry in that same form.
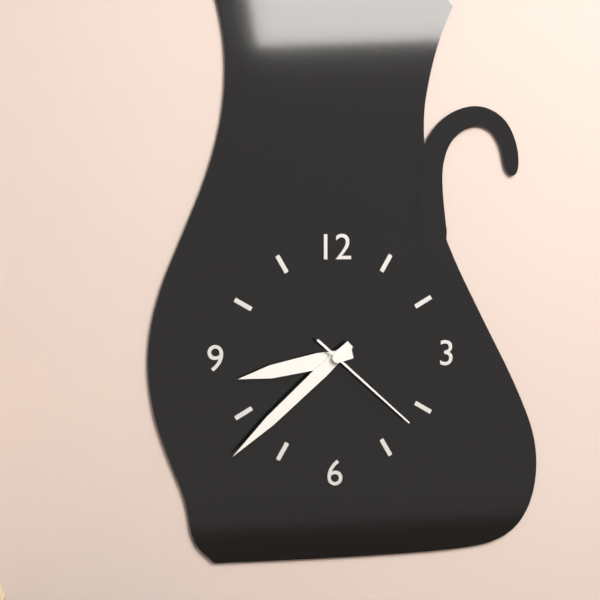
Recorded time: **8:38:22**
